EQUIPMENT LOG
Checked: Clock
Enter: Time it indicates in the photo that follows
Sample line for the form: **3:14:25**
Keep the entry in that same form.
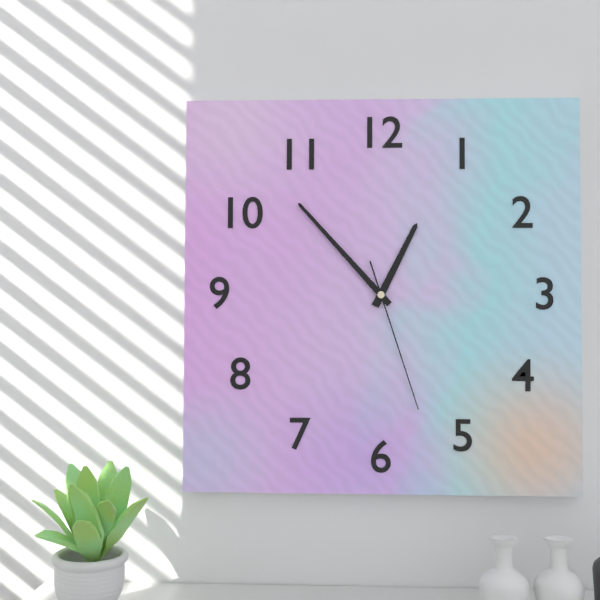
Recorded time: **12:53:27**
